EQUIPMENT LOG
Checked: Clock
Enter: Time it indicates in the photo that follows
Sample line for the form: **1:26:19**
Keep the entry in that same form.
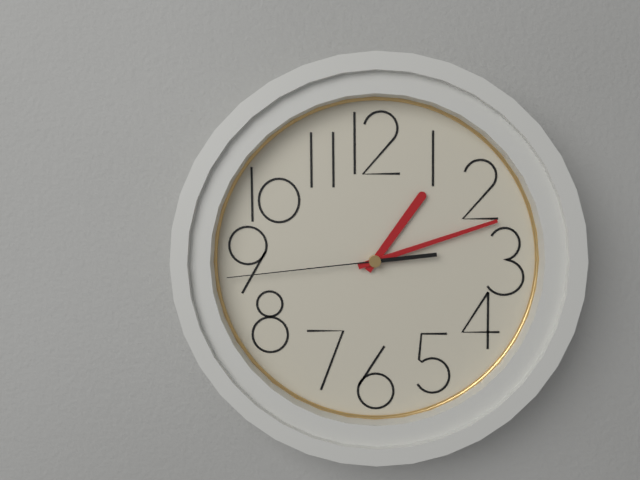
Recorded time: **1:12:44**
